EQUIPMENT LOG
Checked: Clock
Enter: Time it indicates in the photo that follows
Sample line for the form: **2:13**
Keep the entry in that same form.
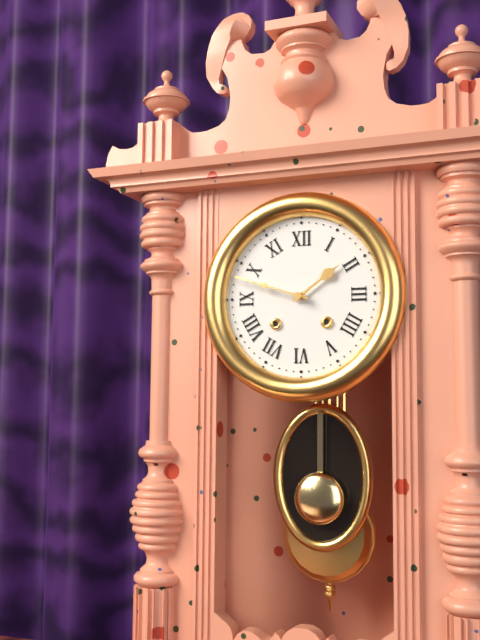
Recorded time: **1:48**
